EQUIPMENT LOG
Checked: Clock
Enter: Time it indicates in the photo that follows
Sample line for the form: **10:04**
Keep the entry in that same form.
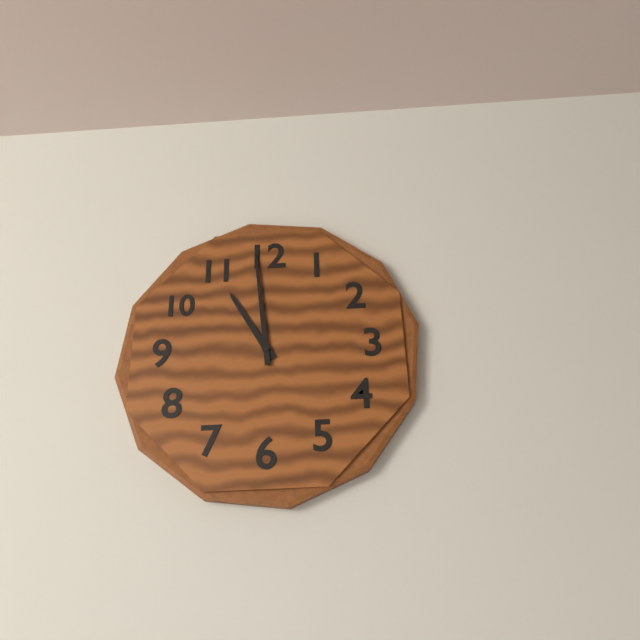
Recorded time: **10:59**
